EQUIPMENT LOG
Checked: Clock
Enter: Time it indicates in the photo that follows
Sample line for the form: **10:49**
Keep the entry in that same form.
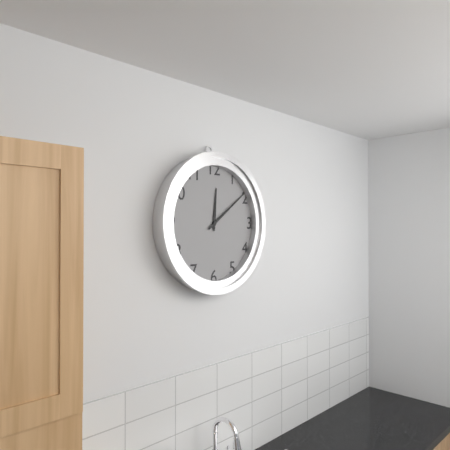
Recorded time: **12:09**
